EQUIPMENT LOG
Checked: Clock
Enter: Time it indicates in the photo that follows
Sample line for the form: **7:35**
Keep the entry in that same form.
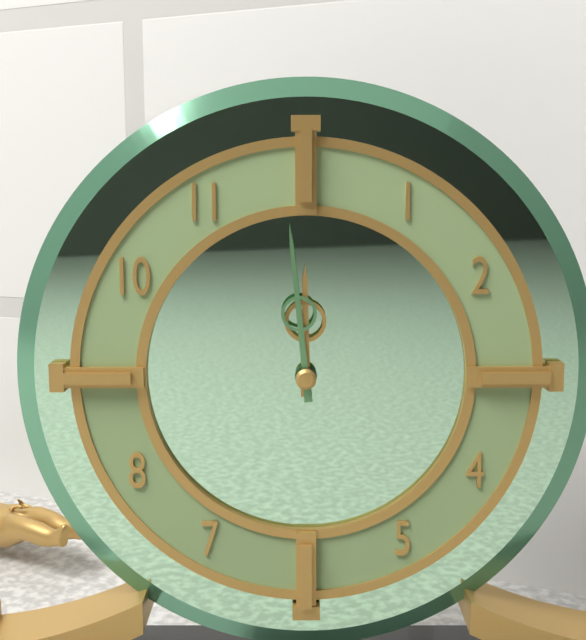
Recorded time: **11:59**
